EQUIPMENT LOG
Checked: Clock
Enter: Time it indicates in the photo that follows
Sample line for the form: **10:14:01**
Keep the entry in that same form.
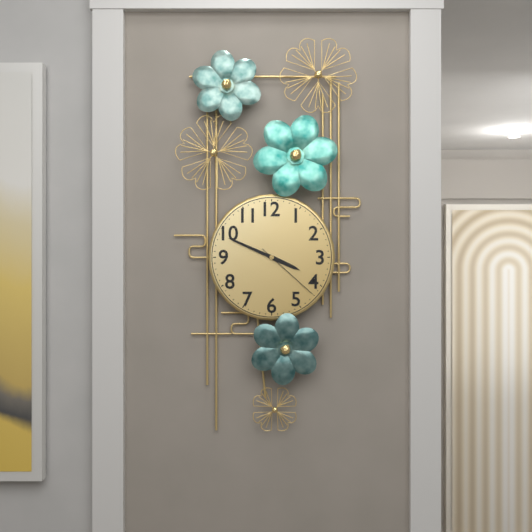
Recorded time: **3:49:22**
